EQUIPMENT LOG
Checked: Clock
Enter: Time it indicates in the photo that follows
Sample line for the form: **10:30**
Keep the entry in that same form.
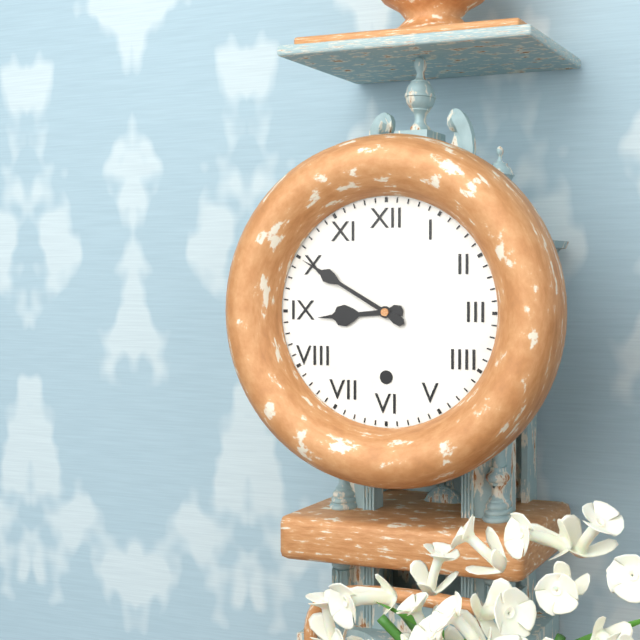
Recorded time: **8:50**
